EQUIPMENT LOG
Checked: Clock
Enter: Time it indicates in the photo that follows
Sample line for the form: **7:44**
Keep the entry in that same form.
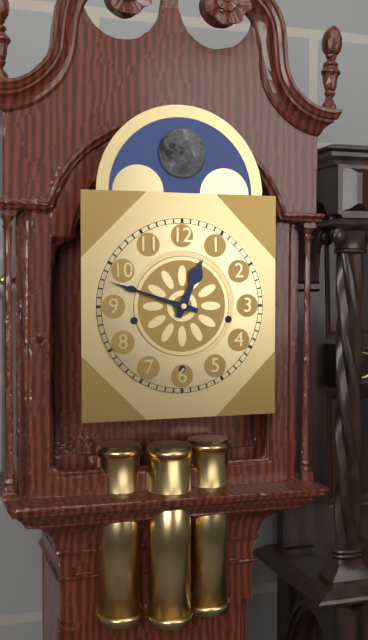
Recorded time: **12:48**
